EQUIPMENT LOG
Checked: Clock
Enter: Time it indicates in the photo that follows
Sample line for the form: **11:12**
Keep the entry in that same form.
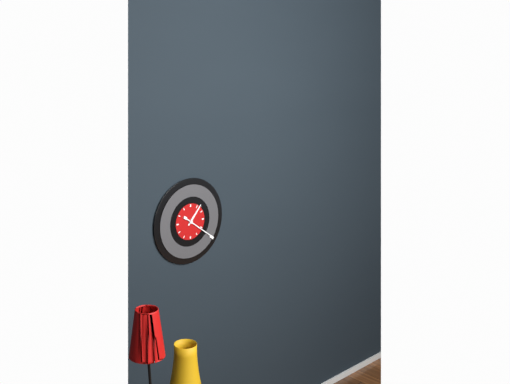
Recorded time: **1:21**
